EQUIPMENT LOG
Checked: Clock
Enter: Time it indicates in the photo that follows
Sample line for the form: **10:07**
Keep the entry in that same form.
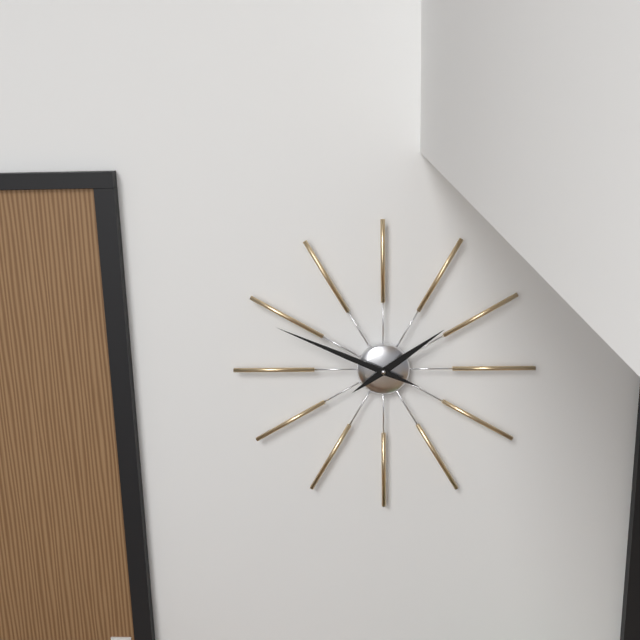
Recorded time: **1:49**
